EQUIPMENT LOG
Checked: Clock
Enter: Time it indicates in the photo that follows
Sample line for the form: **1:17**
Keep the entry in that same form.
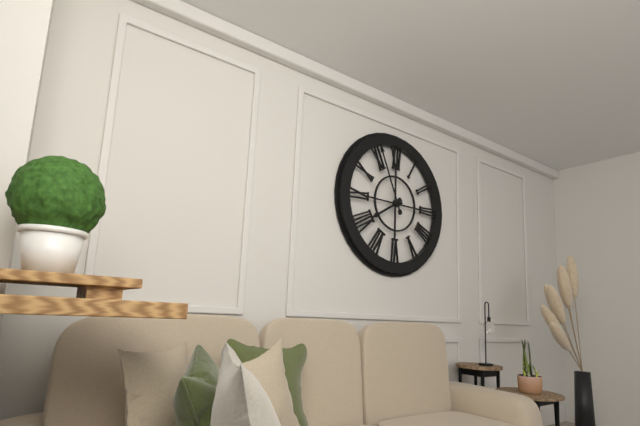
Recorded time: **7:56**
